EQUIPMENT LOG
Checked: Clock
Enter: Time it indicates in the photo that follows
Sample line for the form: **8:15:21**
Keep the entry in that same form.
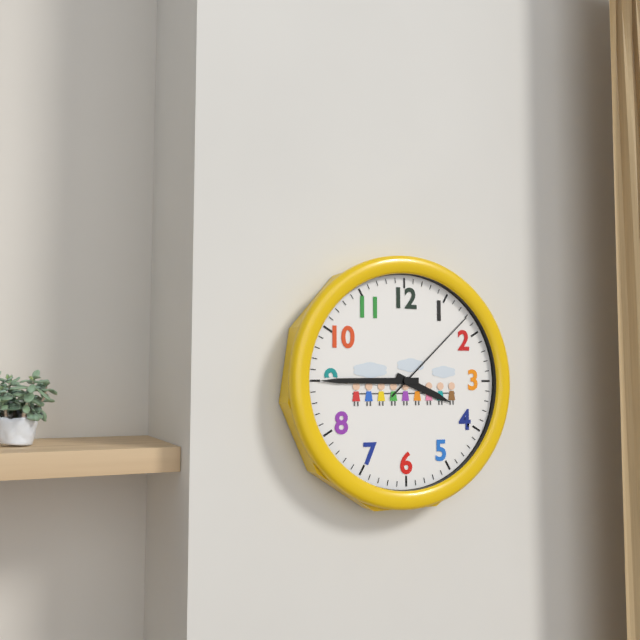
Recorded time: **3:45:08**
